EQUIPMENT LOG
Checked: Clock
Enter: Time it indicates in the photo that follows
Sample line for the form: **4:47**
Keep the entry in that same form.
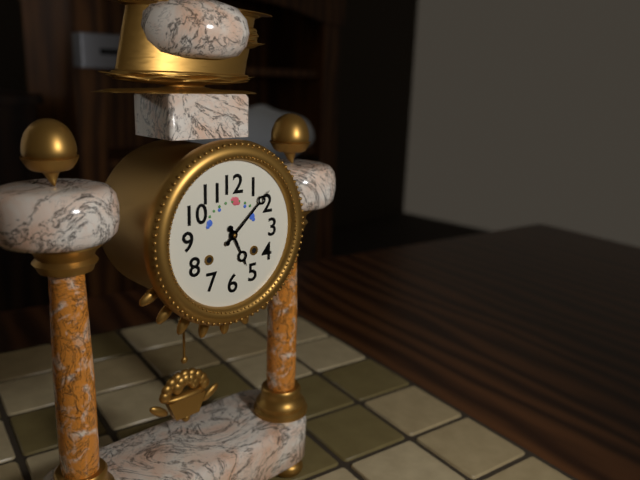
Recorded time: **5:08**
